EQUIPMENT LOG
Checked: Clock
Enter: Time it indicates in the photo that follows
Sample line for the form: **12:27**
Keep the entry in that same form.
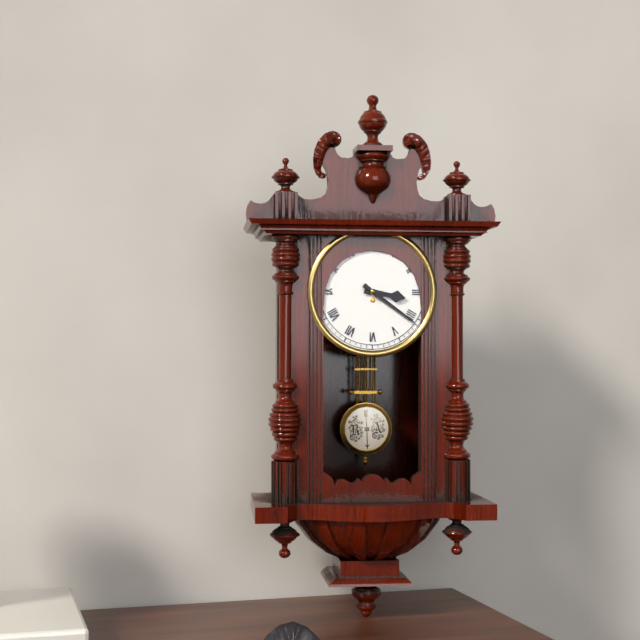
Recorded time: **3:21**
